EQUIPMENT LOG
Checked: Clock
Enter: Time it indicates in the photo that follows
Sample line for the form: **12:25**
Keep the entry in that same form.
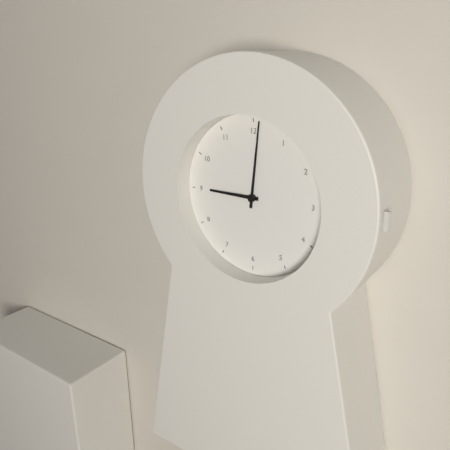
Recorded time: **9:01**
